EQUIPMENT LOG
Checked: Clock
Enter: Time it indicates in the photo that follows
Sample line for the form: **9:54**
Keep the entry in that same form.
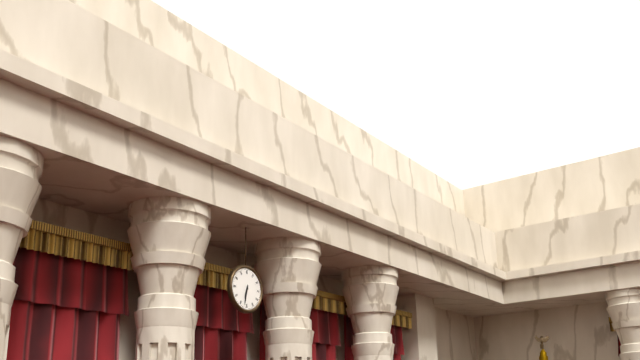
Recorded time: **6:32**
